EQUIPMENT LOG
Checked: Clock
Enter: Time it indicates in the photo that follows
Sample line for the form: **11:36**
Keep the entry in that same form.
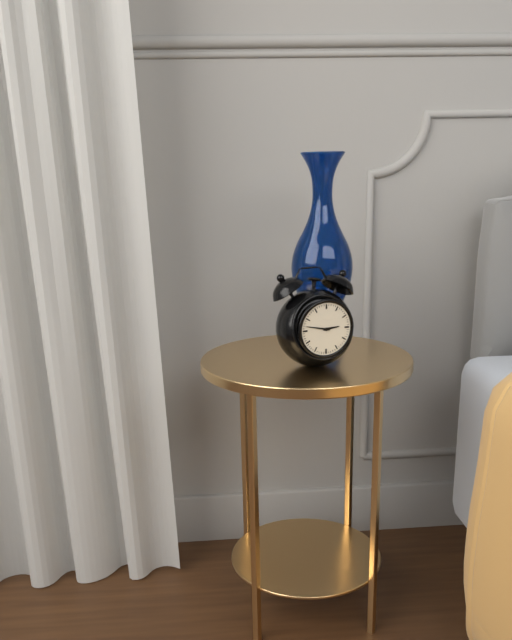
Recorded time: **2:47**
